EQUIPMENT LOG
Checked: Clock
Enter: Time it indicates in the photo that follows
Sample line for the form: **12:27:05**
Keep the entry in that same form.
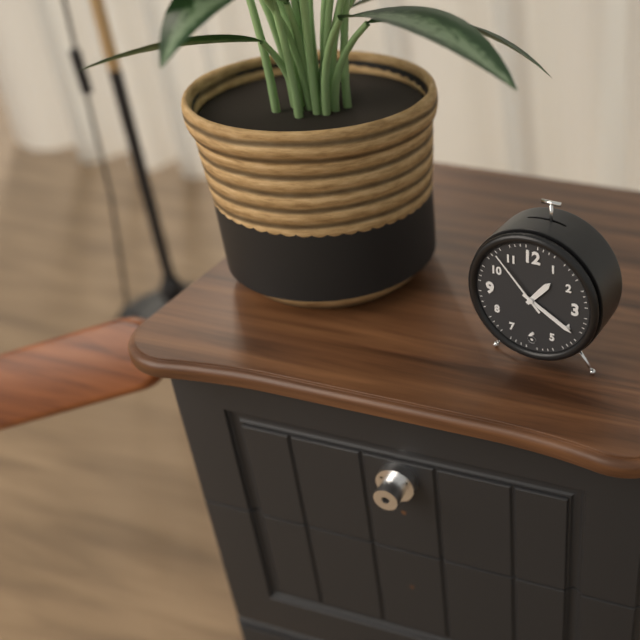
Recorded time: **1:20:53**
